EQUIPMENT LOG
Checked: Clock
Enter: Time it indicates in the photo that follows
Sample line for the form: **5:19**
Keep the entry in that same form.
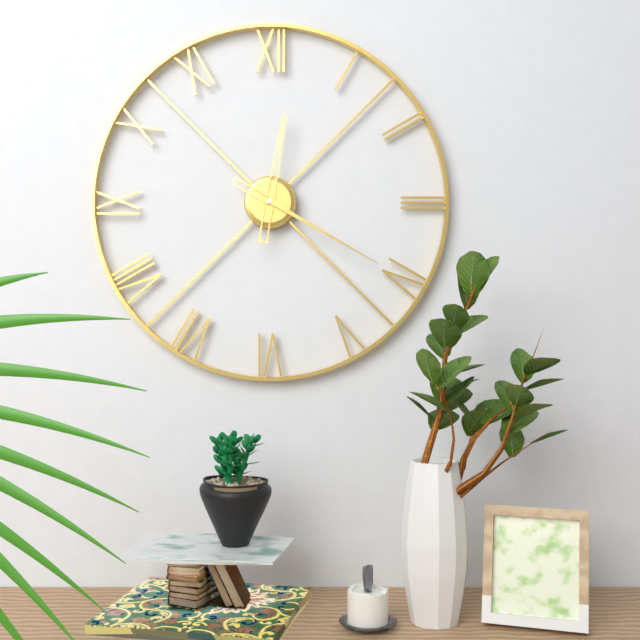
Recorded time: **12:20**
